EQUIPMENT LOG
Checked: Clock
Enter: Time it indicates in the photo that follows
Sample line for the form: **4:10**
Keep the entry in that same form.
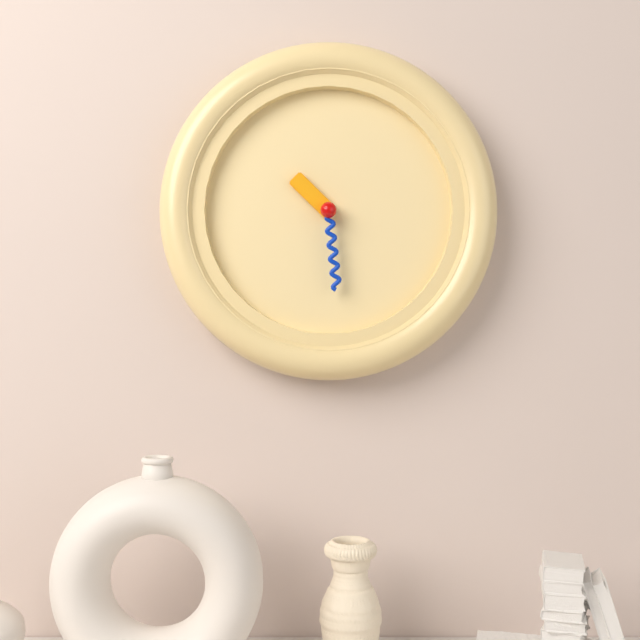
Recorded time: **10:29**
